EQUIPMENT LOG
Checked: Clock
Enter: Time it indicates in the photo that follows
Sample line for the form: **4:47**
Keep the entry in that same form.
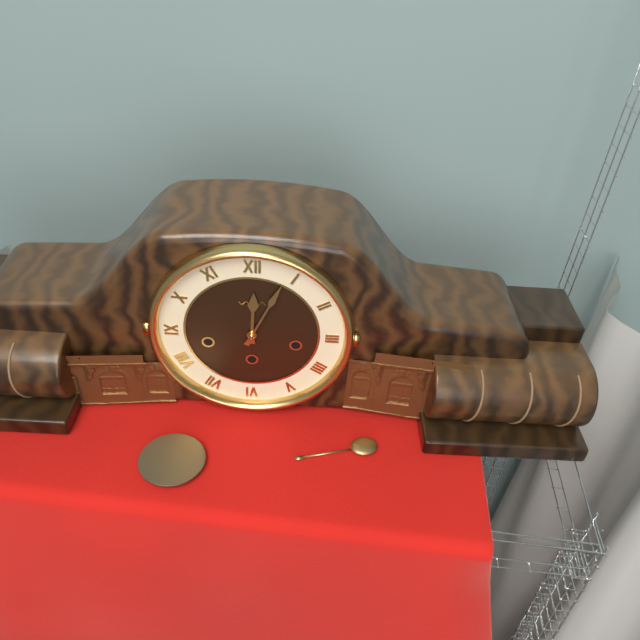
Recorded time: **12:04**
